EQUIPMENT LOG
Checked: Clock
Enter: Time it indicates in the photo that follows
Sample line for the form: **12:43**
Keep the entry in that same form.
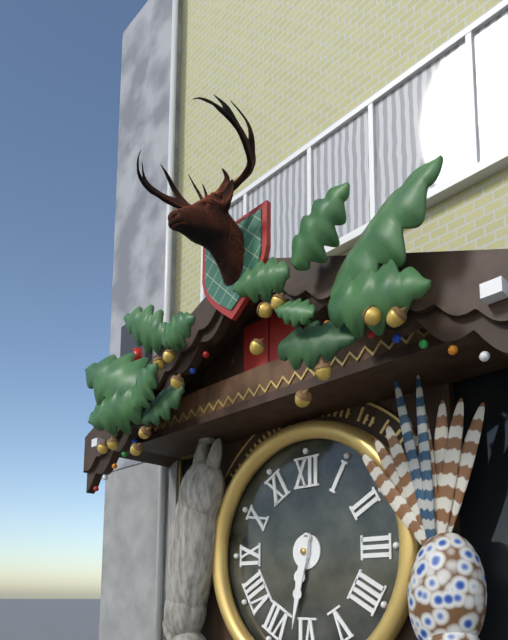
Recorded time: **6:32**
